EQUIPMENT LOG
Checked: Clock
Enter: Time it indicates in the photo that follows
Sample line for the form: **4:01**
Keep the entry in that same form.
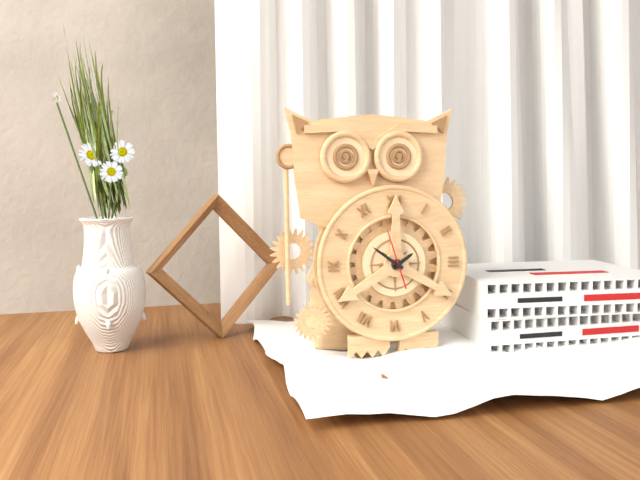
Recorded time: **1:51**
